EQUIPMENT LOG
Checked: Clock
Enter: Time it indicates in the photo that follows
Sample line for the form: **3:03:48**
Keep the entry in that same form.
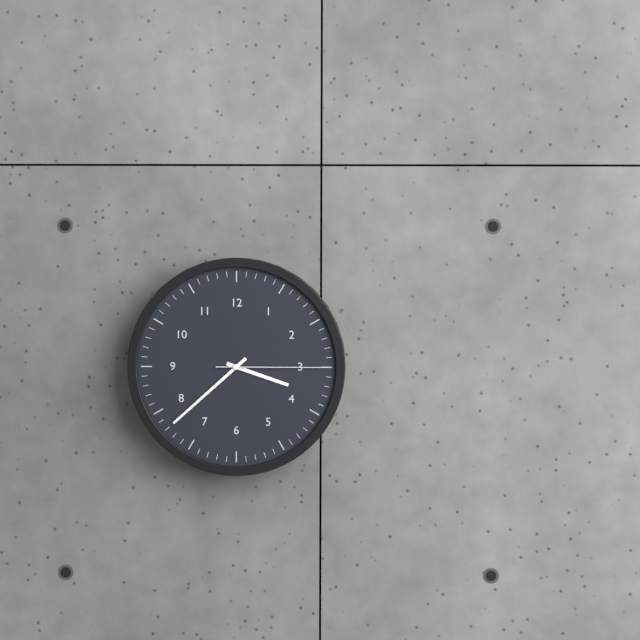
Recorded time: **3:38:15**
